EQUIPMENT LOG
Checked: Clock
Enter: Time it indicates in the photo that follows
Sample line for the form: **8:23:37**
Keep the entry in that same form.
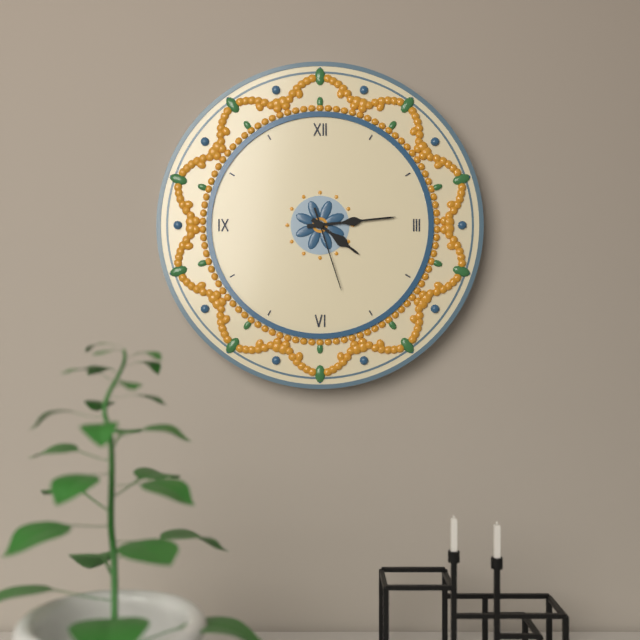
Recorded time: **4:14:27**
